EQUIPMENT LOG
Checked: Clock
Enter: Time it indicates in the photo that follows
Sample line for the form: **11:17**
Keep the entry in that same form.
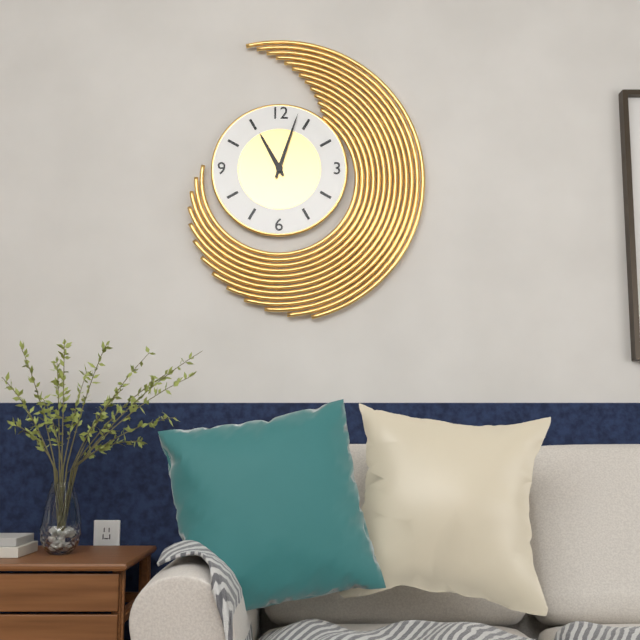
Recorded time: **11:03**
